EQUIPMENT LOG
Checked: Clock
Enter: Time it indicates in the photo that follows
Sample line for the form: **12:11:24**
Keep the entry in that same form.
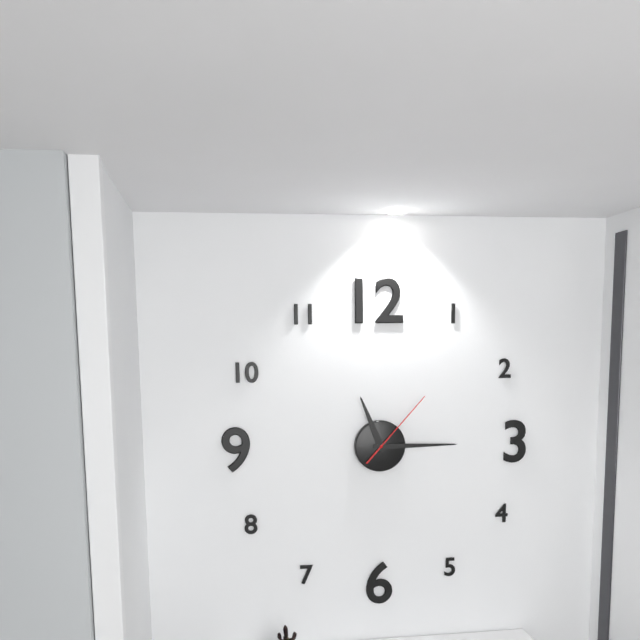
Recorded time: **11:15:07**
